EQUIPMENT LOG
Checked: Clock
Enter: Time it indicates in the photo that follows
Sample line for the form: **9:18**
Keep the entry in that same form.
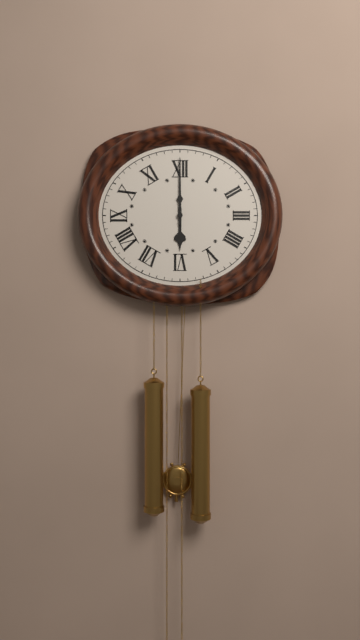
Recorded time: **6:00**
